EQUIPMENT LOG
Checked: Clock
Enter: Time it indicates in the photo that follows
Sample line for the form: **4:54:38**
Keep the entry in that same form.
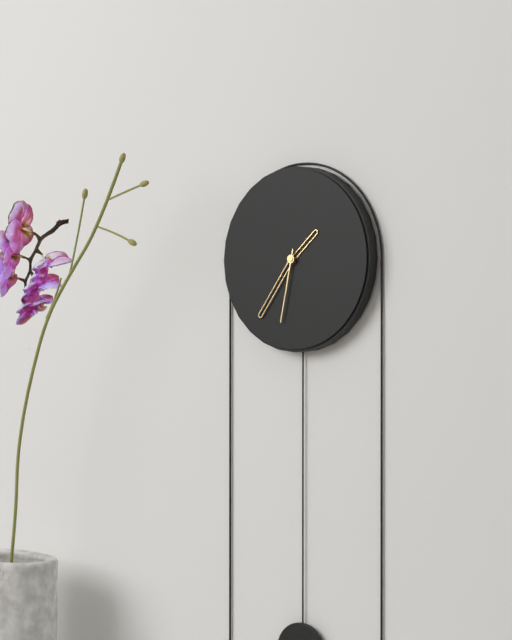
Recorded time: **1:36:32**
